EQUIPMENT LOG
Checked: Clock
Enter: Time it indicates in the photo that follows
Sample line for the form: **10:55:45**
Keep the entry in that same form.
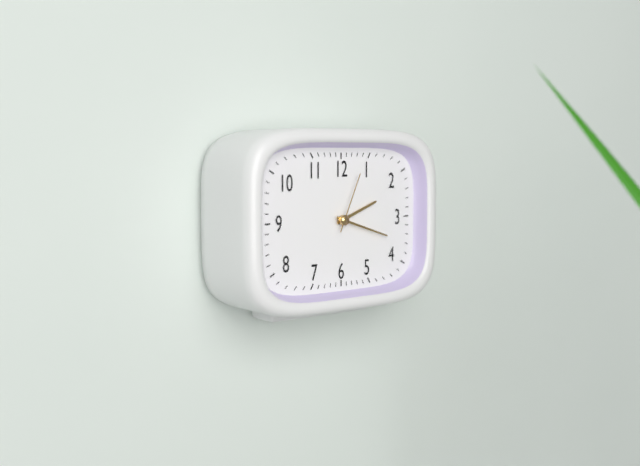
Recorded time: **2:18:04**
